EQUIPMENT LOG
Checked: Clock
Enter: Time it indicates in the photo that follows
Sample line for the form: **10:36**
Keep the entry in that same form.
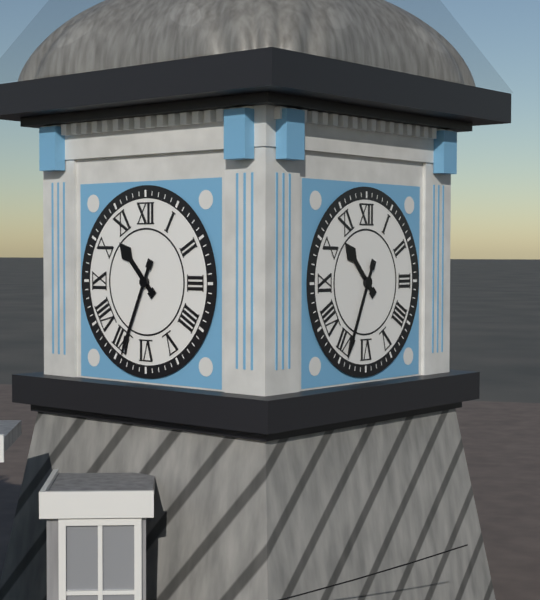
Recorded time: **10:34**
